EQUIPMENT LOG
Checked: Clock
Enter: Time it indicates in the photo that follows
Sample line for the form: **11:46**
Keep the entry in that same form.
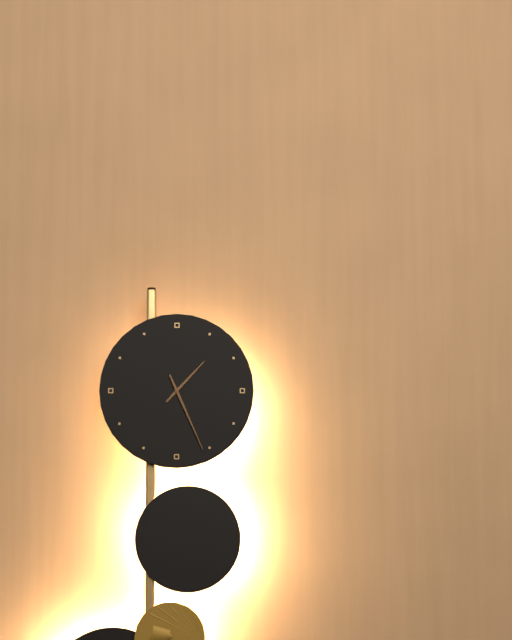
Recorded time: **1:26**
